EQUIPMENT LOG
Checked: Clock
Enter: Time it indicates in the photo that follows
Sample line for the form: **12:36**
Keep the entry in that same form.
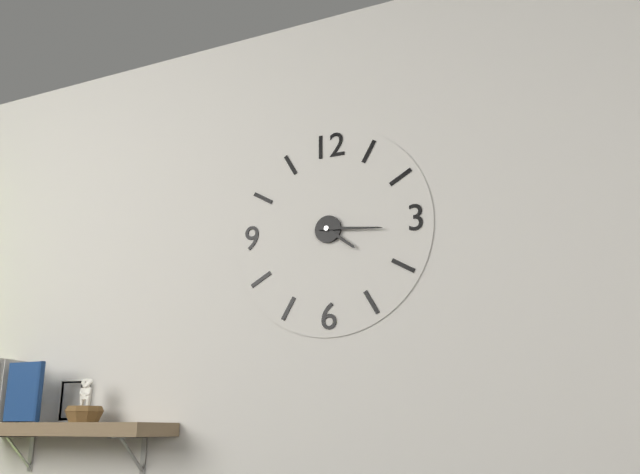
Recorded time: **4:16**
